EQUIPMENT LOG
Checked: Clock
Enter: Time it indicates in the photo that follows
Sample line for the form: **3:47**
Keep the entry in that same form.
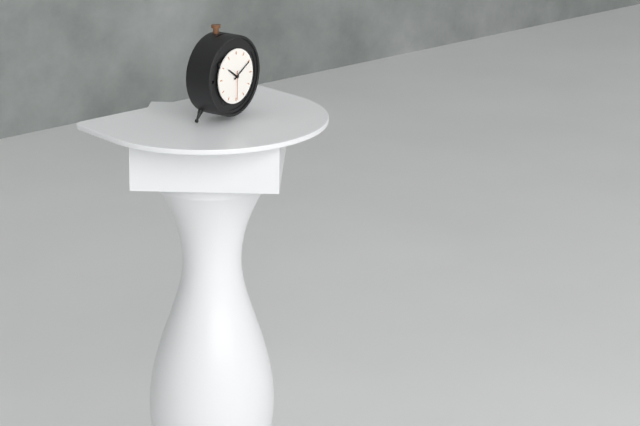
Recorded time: **10:10**
